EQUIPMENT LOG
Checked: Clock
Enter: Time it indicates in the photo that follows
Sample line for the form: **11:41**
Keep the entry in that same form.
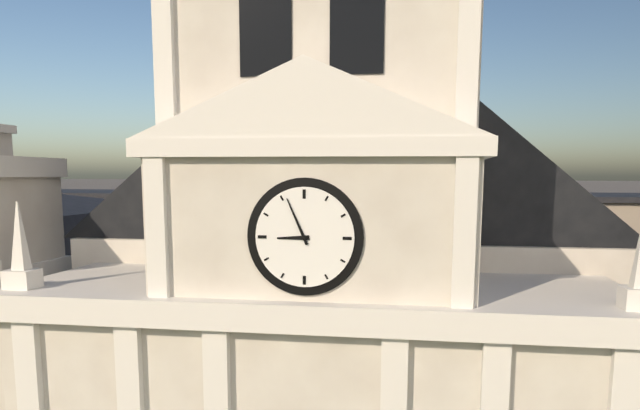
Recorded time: **8:56**
